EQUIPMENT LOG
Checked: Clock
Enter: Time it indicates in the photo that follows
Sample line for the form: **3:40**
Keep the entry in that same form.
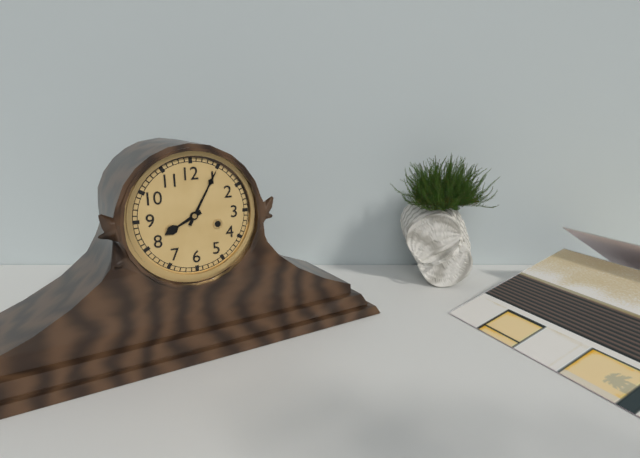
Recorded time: **8:05**
